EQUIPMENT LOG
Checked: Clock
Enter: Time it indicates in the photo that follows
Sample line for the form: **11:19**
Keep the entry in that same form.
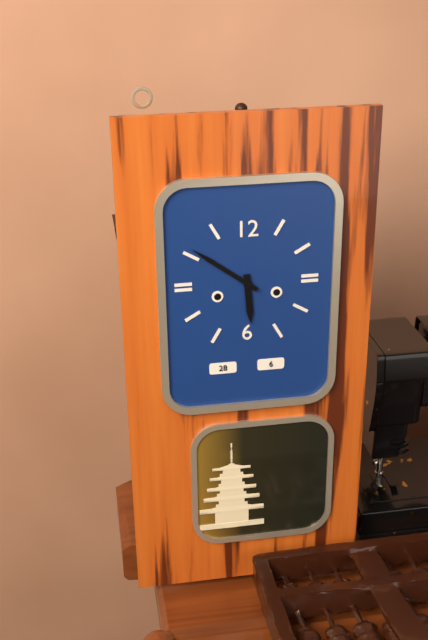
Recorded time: **5:51**
